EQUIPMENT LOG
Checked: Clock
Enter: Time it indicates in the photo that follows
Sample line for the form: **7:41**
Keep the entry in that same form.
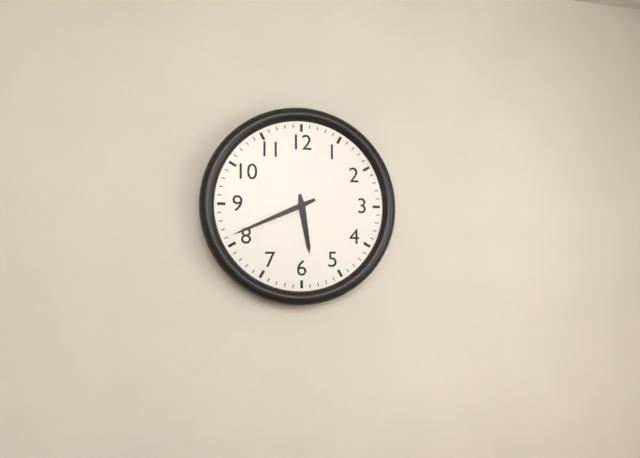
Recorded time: **5:41**
